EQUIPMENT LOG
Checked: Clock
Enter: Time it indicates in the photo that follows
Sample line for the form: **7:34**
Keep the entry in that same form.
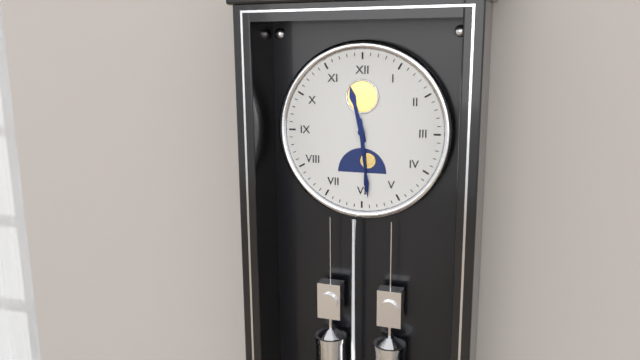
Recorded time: **11:29**
